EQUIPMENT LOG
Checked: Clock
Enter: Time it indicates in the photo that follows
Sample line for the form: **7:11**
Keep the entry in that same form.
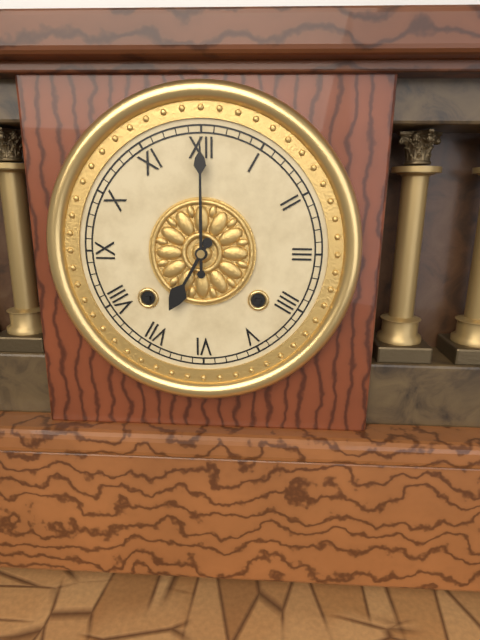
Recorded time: **7:00**
